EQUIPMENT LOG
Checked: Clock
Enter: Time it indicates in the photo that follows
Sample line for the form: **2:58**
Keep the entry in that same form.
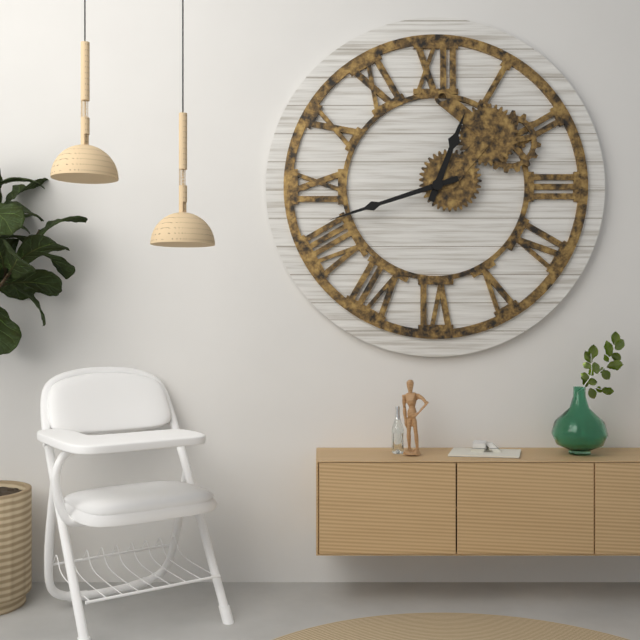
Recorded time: **12:42**
